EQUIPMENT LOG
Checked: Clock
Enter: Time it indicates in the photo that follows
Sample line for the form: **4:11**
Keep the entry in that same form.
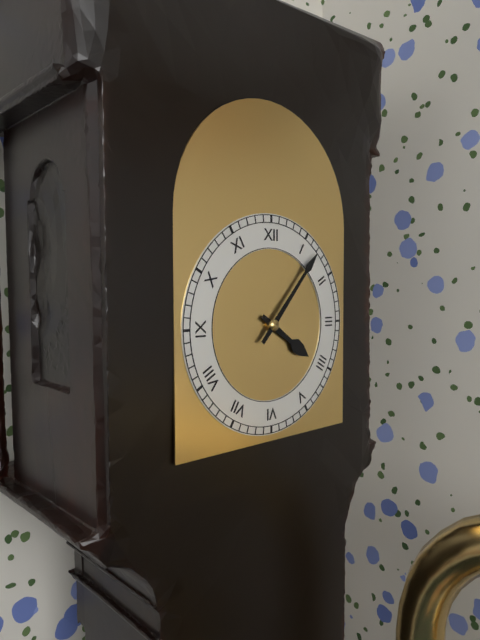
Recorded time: **4:07**
